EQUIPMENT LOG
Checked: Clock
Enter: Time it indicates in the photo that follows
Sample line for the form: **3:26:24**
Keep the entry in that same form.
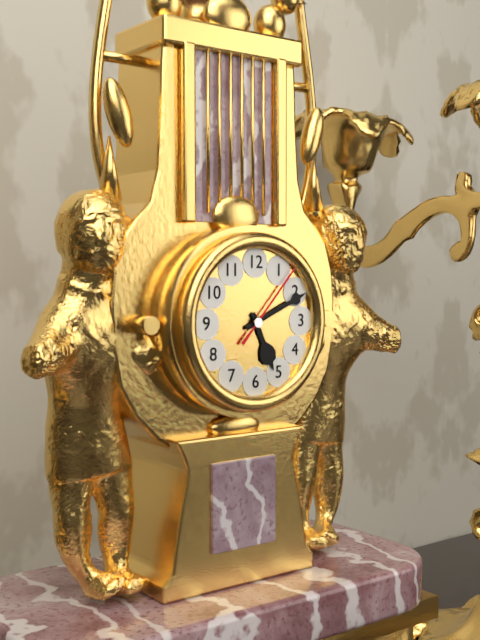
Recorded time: **5:11:07**
